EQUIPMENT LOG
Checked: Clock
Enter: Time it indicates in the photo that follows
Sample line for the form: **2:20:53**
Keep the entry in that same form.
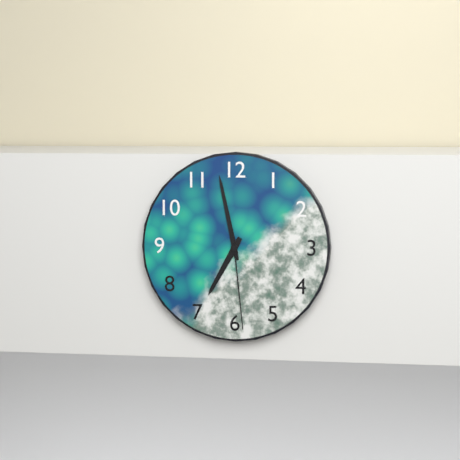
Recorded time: **6:58:29**
